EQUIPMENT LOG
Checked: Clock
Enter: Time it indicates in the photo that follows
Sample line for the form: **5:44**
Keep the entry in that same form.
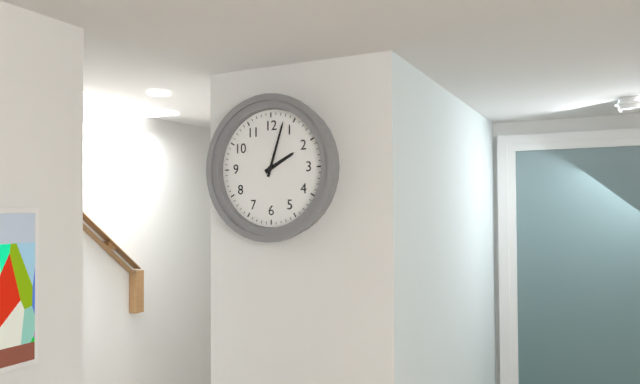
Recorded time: **2:03**
